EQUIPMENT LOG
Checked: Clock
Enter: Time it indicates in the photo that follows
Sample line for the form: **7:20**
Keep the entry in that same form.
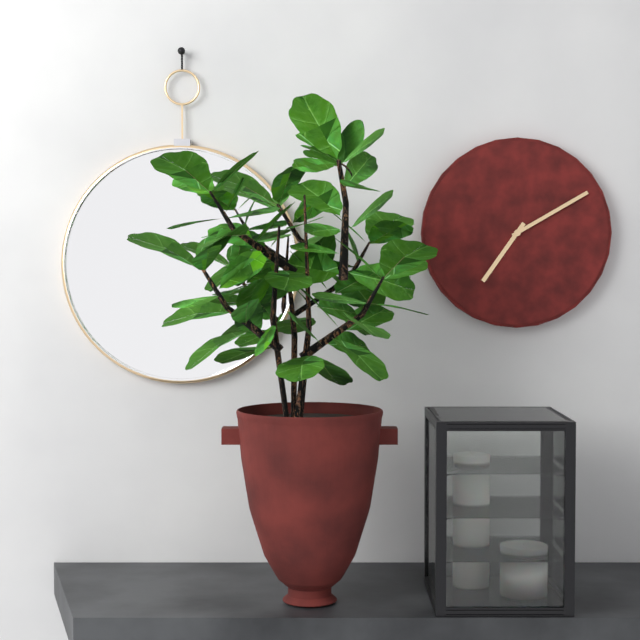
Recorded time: **7:10**
